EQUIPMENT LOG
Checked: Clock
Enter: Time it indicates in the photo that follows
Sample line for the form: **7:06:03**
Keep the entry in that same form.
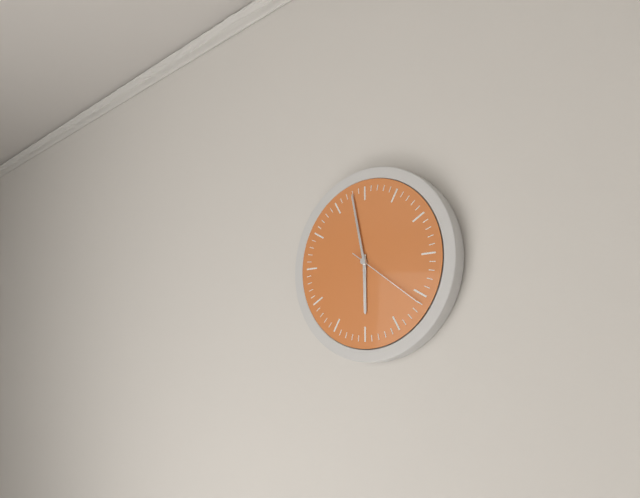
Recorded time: **5:58:21**
